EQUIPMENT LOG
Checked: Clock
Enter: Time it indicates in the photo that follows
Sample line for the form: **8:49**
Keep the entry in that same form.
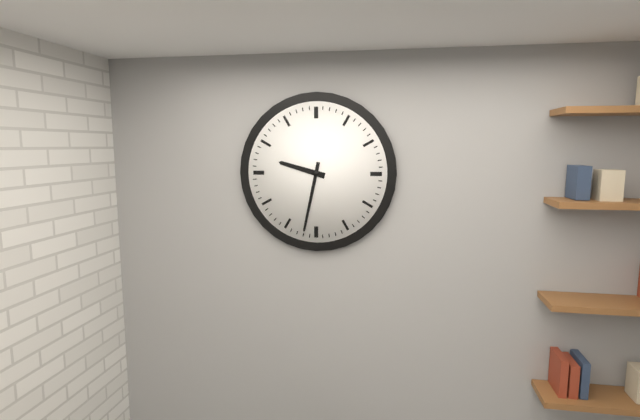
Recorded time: **9:32**
